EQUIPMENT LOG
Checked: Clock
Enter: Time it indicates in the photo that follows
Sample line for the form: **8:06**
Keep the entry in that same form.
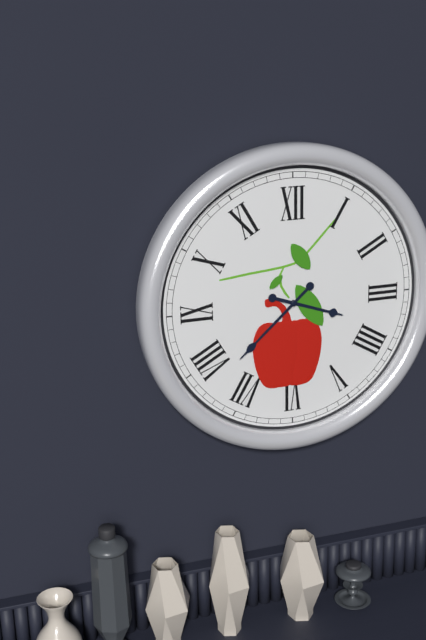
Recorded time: **3:38**
